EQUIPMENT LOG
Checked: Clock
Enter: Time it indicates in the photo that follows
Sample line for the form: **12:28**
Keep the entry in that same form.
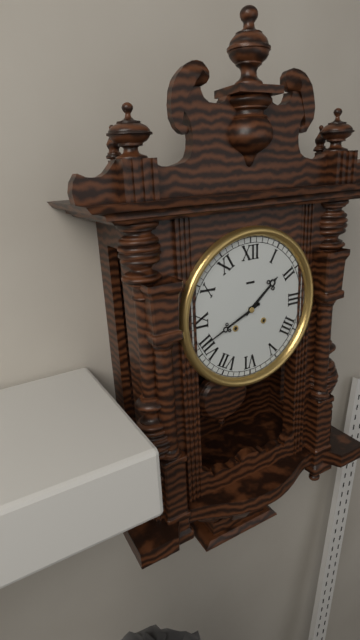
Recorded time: **1:41**
